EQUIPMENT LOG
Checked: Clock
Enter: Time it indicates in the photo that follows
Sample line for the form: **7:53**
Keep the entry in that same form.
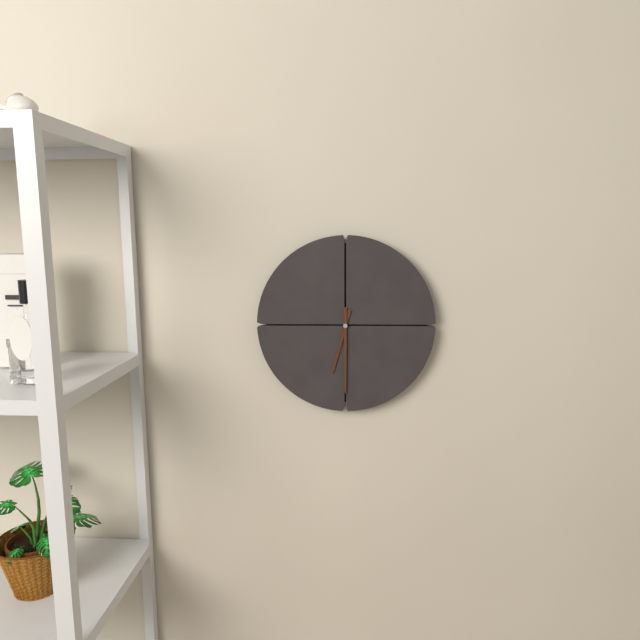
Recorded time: **6:30**
